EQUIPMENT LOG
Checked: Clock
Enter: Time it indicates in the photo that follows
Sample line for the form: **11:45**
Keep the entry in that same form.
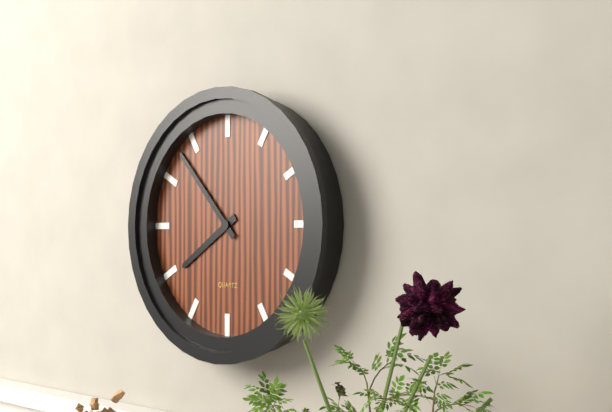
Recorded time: **7:53**
